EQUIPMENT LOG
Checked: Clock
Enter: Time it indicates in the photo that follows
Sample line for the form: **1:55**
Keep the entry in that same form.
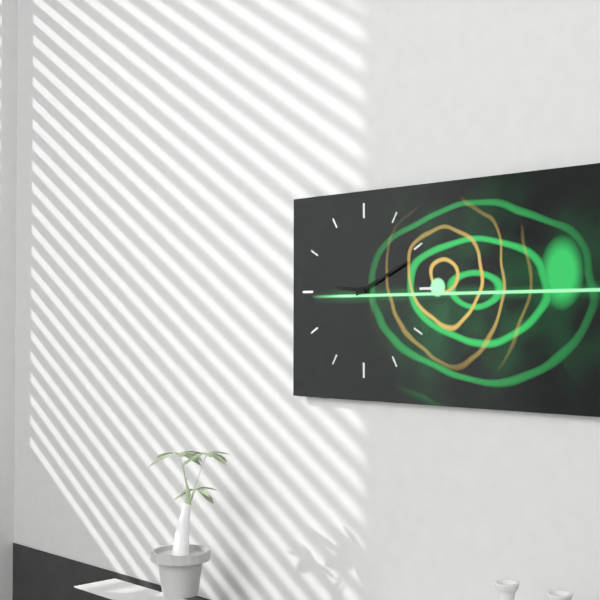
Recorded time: **9:11**
